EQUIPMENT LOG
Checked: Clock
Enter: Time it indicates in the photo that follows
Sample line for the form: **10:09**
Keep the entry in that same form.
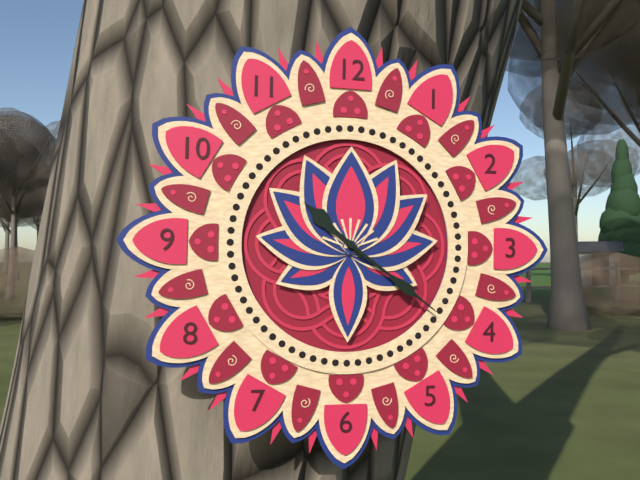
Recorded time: **10:21**
